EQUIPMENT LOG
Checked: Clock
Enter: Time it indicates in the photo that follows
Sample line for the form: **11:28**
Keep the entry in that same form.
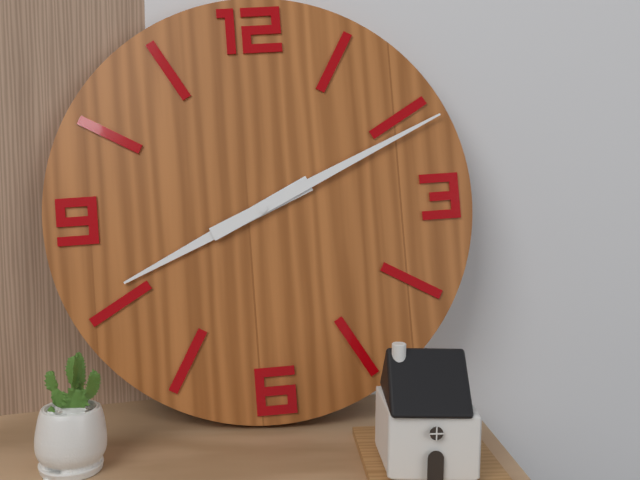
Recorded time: **8:11**
